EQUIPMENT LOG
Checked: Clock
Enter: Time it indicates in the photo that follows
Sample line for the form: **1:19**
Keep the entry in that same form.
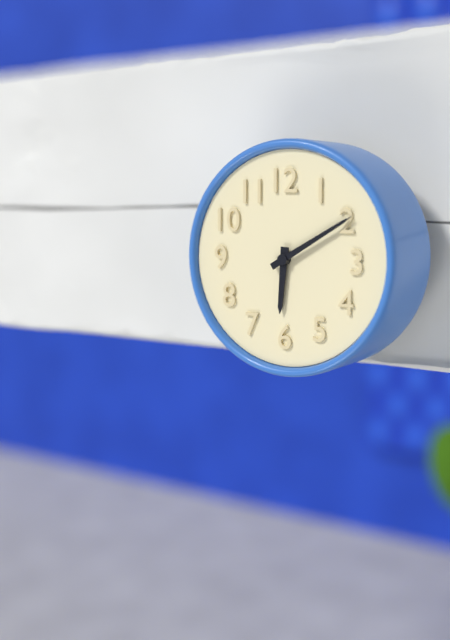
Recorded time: **6:10**
